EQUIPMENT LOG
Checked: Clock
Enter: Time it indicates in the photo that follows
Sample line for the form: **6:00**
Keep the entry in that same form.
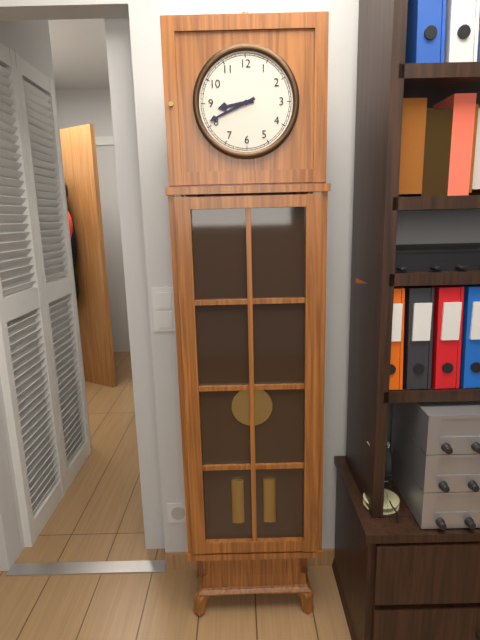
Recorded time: **8:41**
